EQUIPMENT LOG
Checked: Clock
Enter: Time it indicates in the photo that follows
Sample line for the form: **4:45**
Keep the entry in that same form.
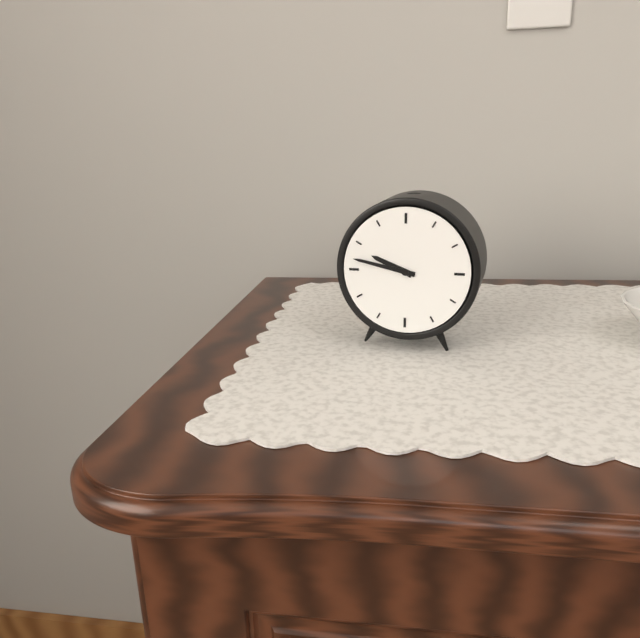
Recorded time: **9:47**
